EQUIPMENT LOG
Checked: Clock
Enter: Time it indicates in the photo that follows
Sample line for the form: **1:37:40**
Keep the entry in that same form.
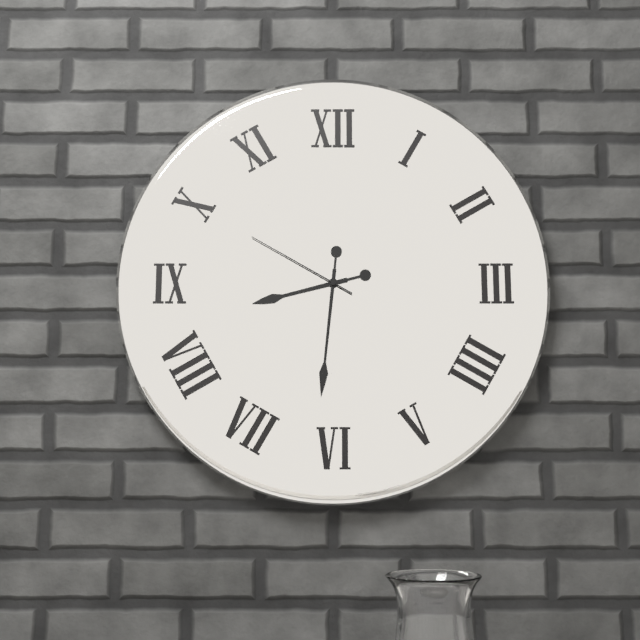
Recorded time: **8:31:50**
